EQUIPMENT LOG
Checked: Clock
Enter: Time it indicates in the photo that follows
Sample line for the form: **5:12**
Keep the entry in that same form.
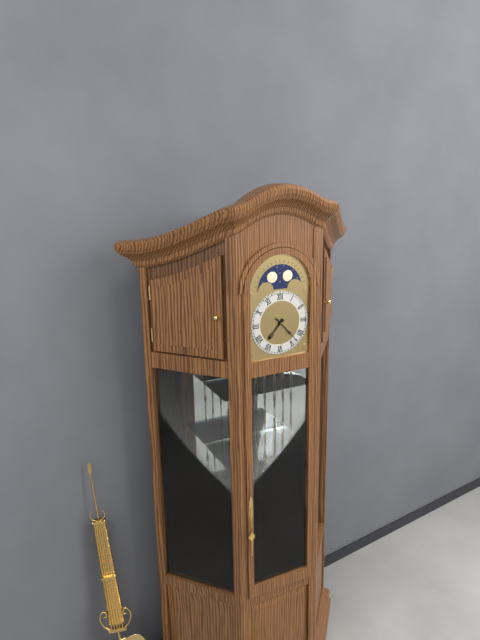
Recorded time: **7:23**
